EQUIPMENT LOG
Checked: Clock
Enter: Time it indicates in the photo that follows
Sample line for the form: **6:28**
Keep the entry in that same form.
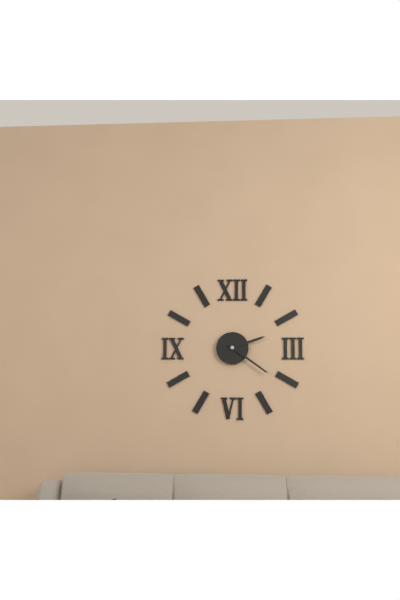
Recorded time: **2:21**
